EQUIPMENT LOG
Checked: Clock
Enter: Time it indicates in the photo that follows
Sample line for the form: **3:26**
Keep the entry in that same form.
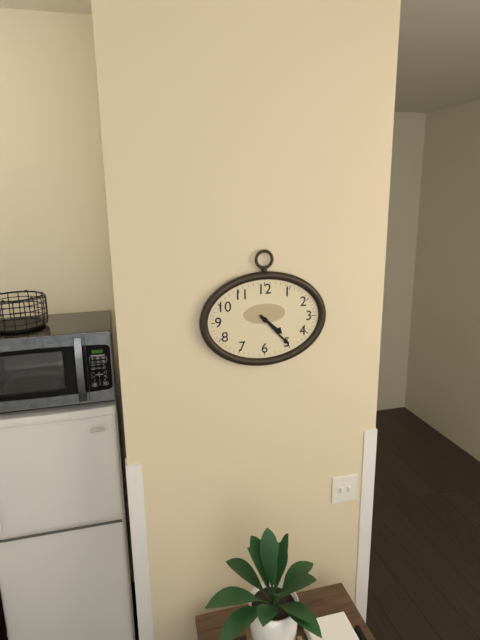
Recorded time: **4:23**
